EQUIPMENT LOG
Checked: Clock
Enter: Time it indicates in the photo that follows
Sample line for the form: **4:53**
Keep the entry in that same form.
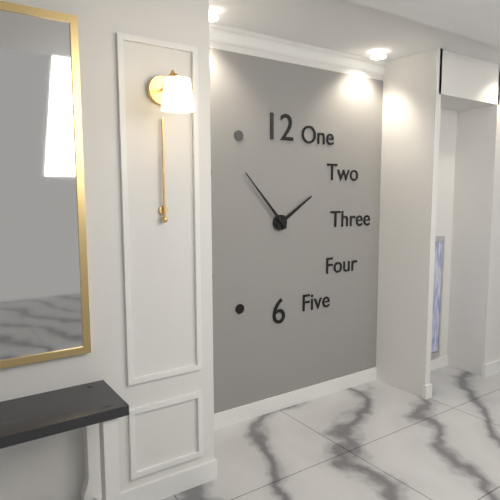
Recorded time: **1:53**
